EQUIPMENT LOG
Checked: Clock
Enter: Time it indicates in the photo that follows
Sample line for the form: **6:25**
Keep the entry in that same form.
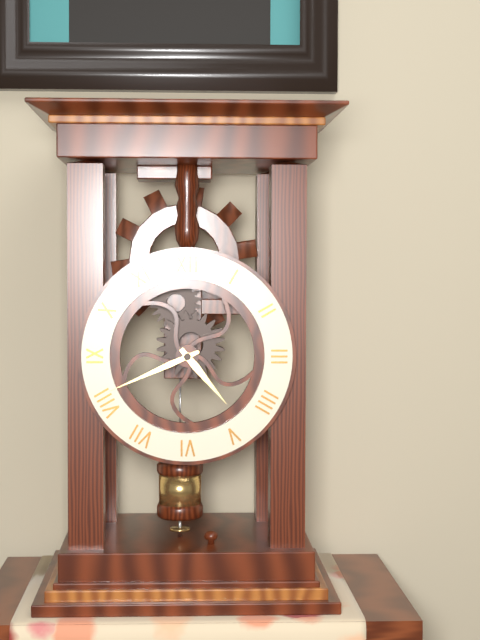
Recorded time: **4:41**
